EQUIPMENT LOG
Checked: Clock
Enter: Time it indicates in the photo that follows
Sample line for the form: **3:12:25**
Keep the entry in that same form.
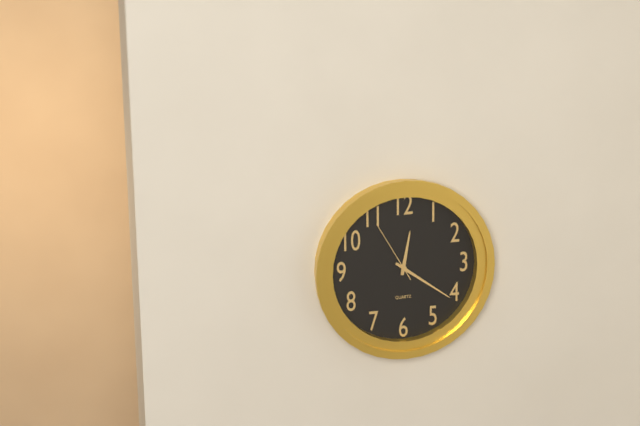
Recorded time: **12:21:55**
